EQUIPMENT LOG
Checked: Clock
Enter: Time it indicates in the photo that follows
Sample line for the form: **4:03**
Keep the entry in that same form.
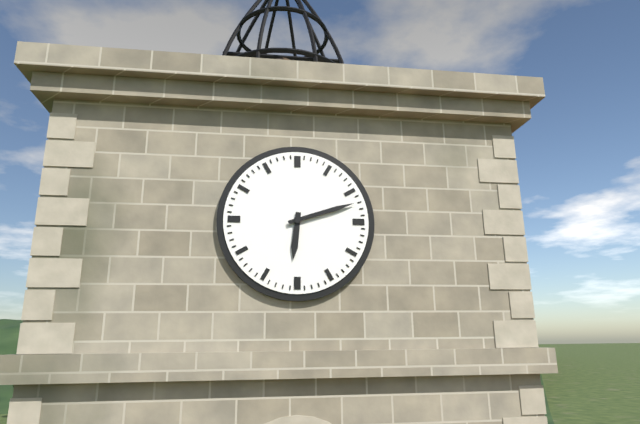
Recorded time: **6:12**
